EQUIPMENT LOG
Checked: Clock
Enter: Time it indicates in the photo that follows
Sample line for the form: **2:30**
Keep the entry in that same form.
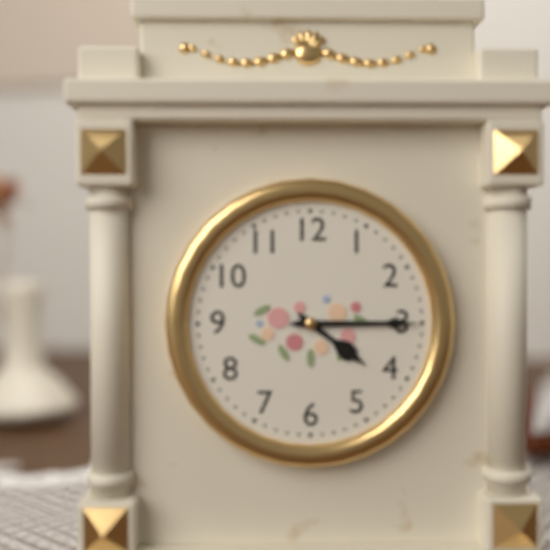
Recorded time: **4:15**
